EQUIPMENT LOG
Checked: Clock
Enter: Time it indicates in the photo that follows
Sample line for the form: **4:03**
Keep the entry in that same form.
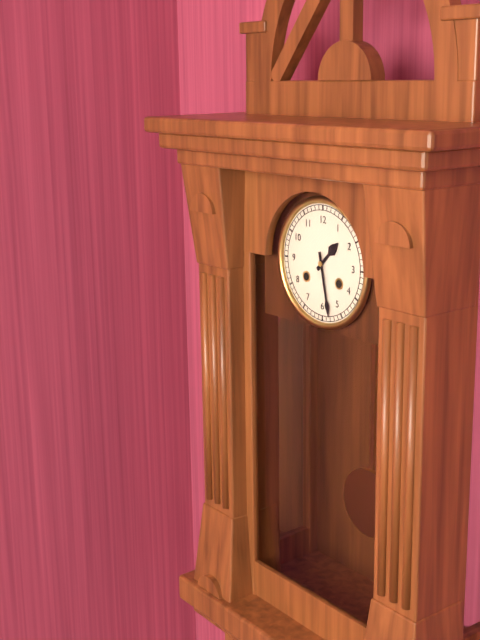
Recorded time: **1:28**
